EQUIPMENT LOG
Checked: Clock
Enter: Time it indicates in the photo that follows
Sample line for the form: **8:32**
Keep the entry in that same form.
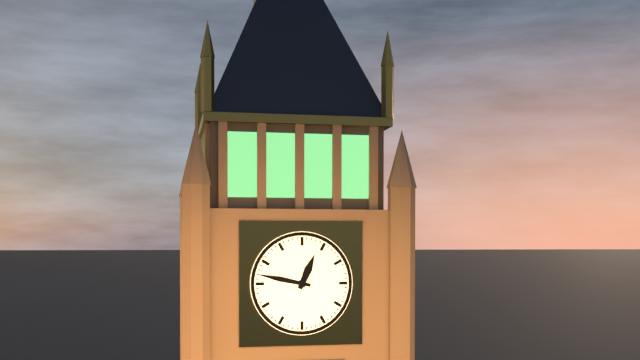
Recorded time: **12:47**
